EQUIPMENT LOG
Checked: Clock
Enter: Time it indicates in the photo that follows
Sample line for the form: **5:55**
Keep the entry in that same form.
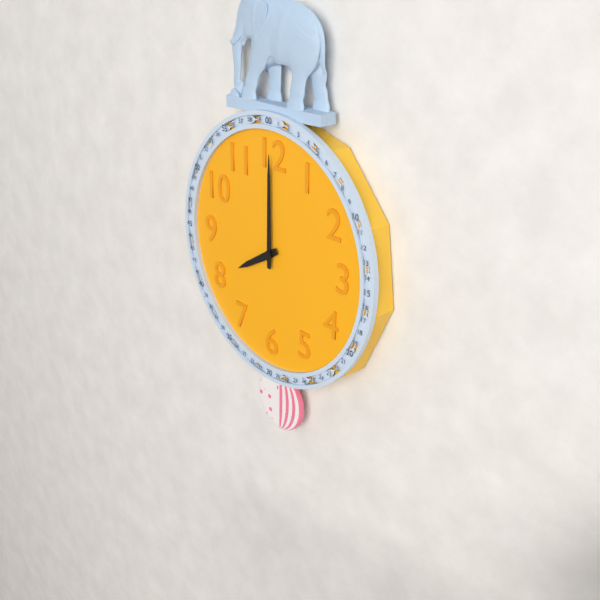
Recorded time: **8:00**
